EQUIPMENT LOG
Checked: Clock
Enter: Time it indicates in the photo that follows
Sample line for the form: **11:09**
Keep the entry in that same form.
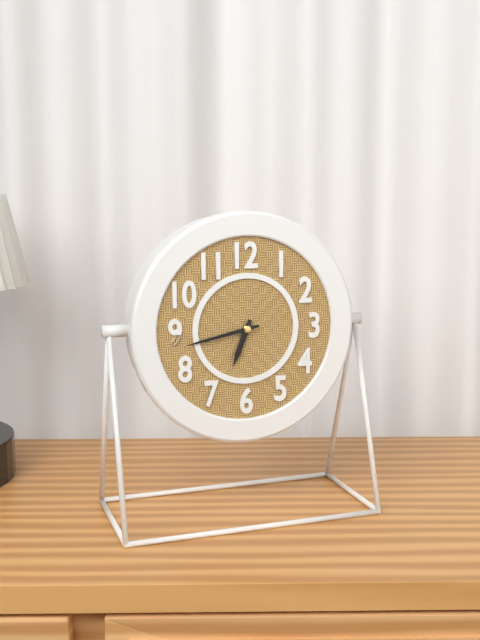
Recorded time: **6:43**
